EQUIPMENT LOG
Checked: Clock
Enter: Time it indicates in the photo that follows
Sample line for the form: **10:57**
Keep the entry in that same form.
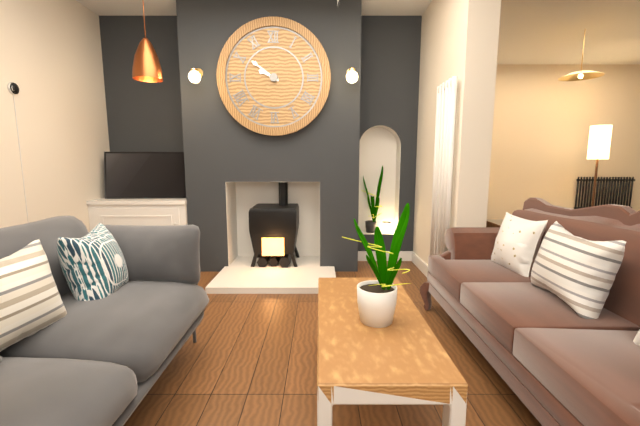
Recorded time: **9:51**
